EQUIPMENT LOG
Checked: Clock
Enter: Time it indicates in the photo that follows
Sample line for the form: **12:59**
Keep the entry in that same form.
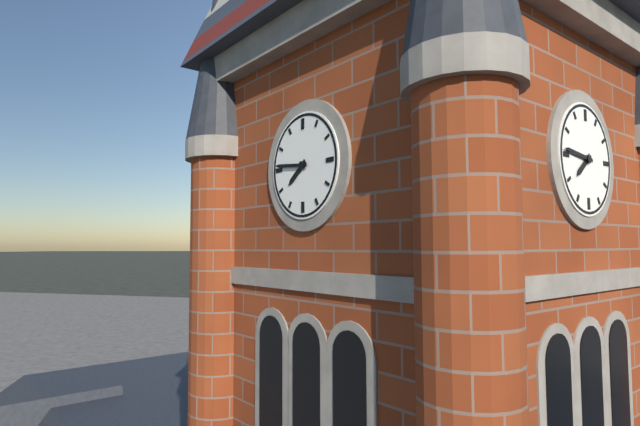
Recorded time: **7:46**
